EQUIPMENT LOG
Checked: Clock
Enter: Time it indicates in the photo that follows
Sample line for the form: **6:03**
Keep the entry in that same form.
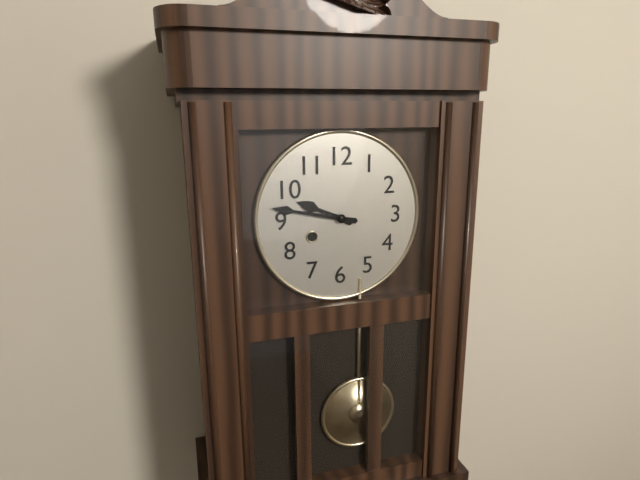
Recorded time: **9:47**
